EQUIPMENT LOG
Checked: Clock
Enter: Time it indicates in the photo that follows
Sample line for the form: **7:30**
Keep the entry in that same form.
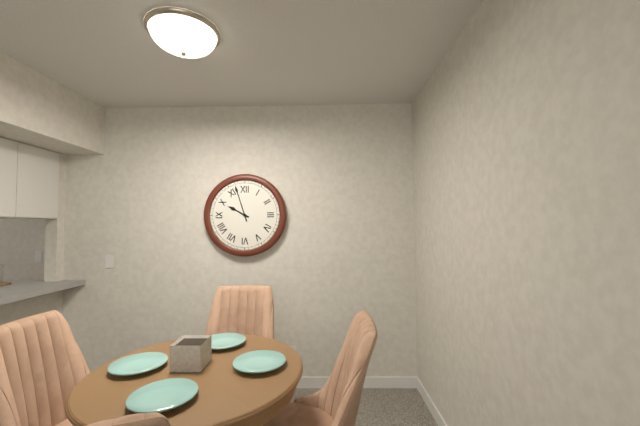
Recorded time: **9:57**
